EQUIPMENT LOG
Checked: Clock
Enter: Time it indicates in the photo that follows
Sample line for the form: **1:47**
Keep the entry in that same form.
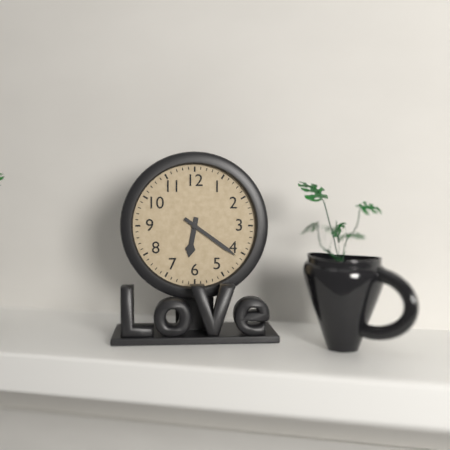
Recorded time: **6:21**
